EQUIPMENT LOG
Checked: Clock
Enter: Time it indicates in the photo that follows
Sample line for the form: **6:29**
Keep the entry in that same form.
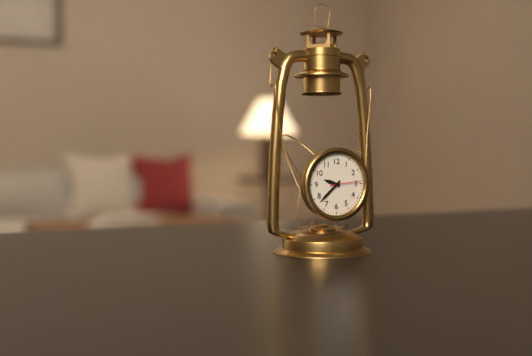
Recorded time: **9:38**
